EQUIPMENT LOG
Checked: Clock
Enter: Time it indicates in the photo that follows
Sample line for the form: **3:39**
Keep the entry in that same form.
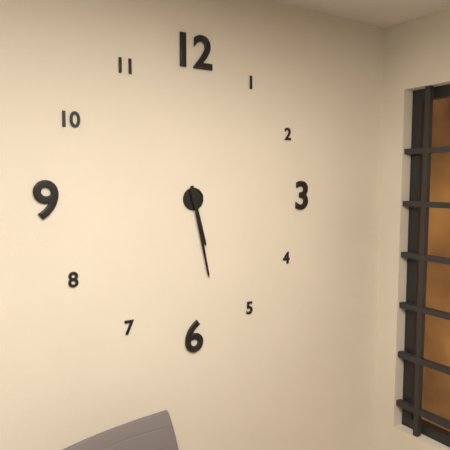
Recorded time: **5:28**
